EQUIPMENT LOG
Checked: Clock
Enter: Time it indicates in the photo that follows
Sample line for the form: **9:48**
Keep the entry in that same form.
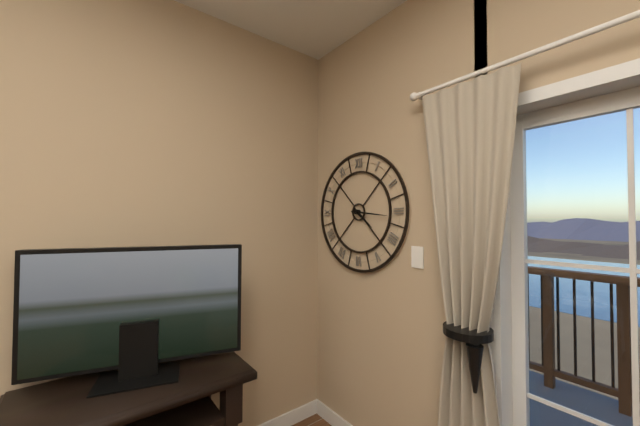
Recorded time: **4:16**
